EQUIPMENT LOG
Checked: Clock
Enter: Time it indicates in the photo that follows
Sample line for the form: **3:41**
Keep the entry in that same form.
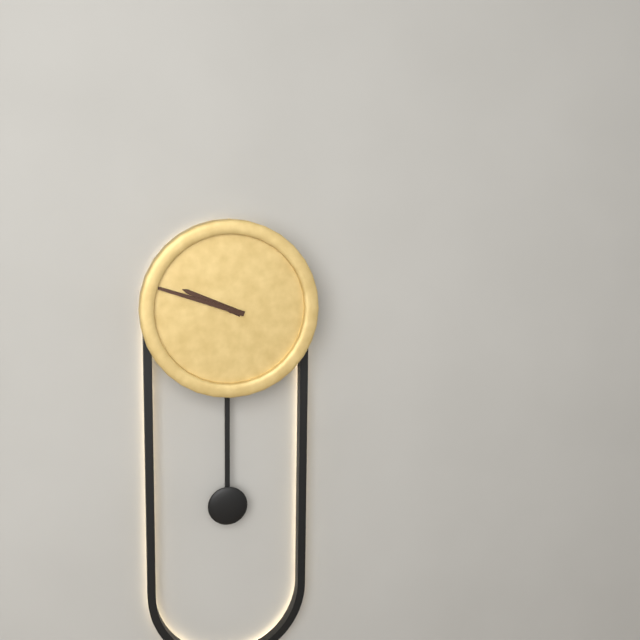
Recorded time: **9:48**
